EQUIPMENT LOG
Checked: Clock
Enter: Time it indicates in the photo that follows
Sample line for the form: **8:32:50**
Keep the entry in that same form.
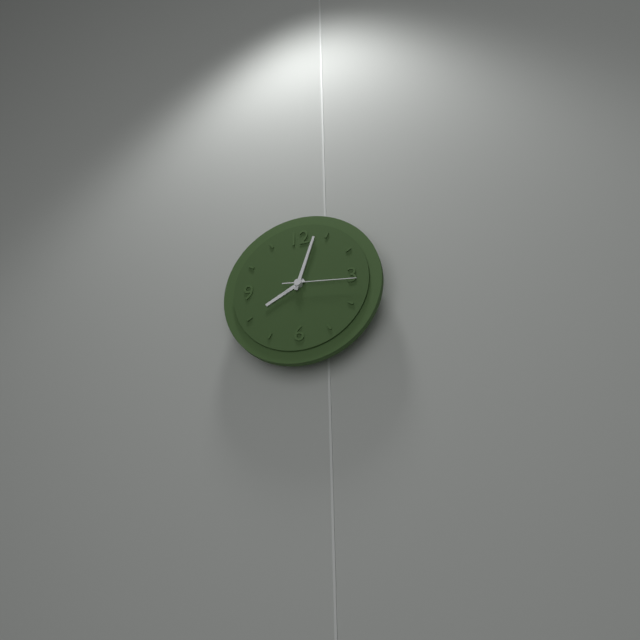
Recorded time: **8:03:16**
